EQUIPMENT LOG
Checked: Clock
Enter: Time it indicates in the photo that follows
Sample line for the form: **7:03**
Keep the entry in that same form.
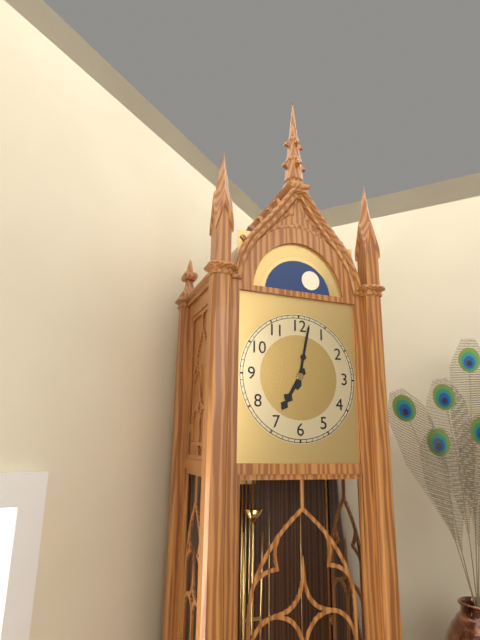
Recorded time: **7:02**
